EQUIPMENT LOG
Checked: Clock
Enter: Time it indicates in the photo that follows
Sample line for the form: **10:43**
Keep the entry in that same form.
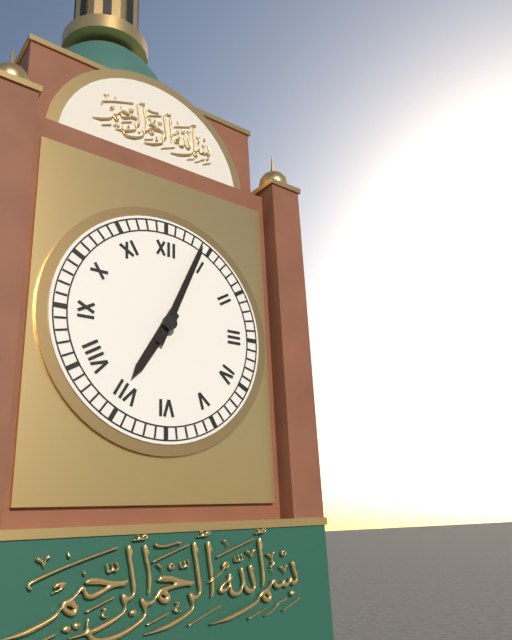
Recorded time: **7:04**
